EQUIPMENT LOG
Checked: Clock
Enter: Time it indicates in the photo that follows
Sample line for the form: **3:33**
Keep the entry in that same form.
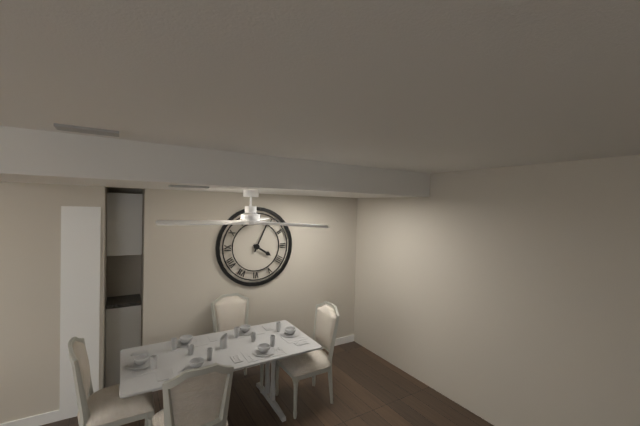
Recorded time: **4:04**
